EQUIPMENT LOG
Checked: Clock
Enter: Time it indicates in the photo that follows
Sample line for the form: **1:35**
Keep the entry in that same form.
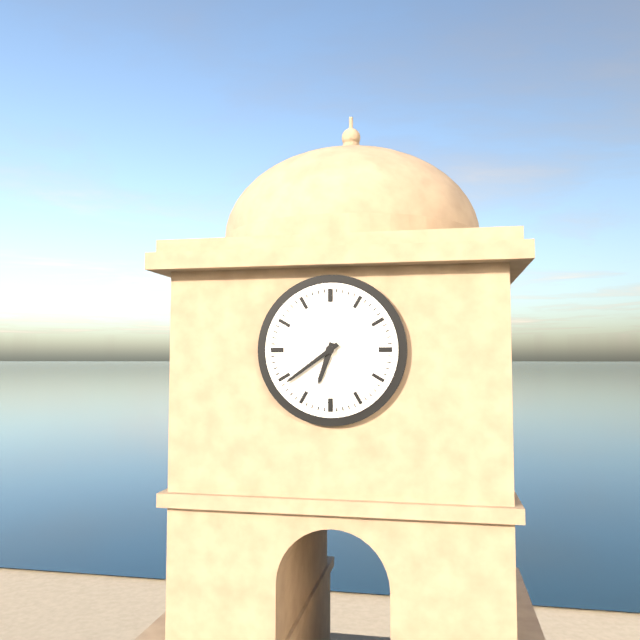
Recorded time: **6:39**
